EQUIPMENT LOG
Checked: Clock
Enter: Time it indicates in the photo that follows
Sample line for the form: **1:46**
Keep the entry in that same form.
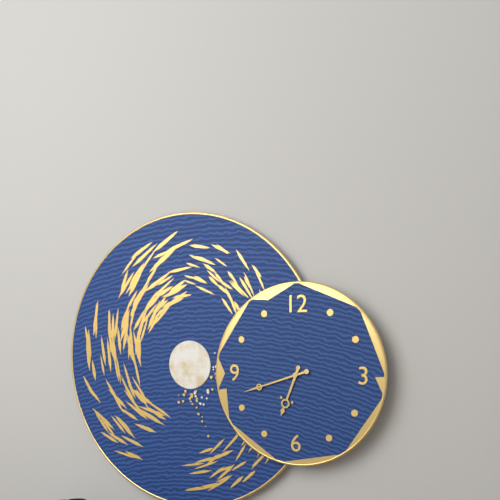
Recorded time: **6:42**
